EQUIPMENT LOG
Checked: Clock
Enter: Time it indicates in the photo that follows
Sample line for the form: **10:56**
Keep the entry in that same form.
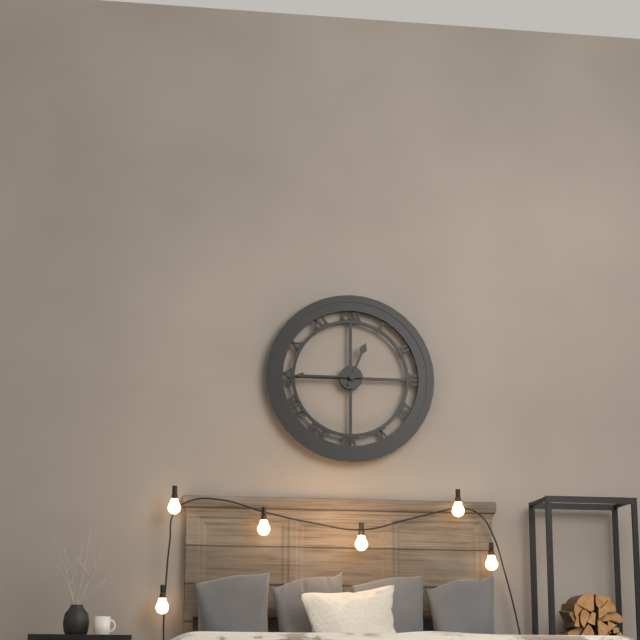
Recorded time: **12:45**
